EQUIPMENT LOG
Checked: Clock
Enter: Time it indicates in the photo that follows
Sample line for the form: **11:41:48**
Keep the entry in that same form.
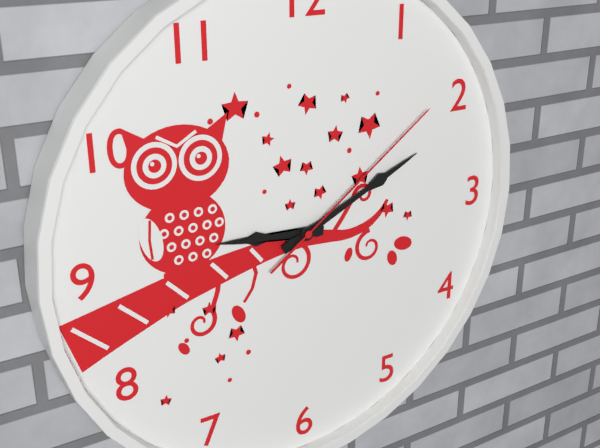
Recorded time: **9:11:09**
